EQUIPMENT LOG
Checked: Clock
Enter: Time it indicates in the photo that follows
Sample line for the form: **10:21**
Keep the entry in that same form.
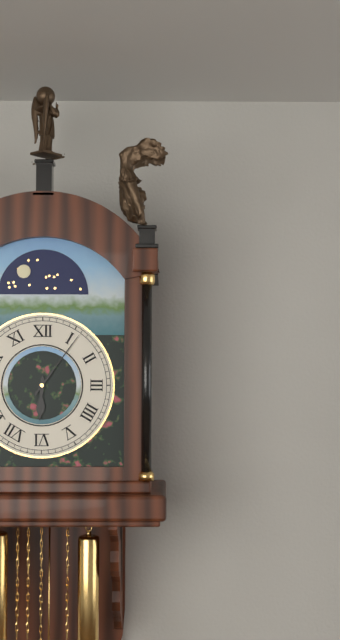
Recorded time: **6:06**
